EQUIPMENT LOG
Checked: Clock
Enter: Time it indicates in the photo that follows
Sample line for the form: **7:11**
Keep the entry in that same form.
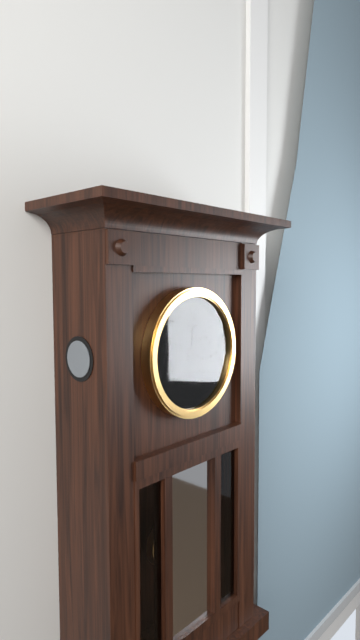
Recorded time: **4:00**
